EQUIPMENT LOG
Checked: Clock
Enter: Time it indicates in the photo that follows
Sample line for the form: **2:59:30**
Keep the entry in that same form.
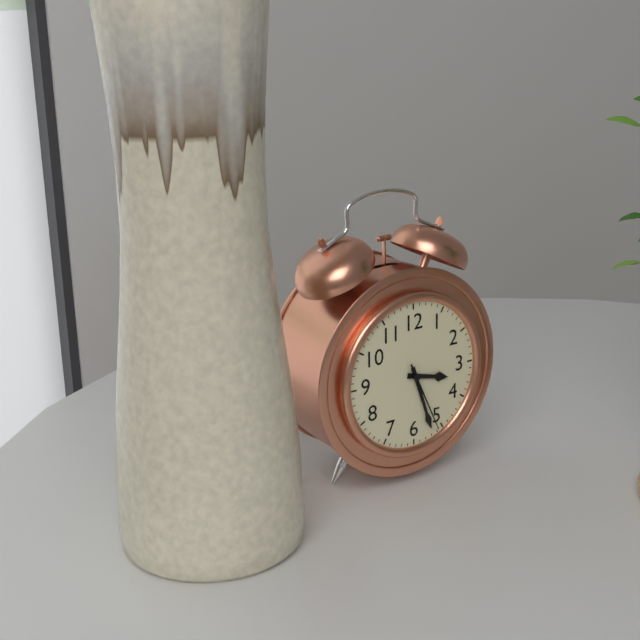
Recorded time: **3:27:26**
